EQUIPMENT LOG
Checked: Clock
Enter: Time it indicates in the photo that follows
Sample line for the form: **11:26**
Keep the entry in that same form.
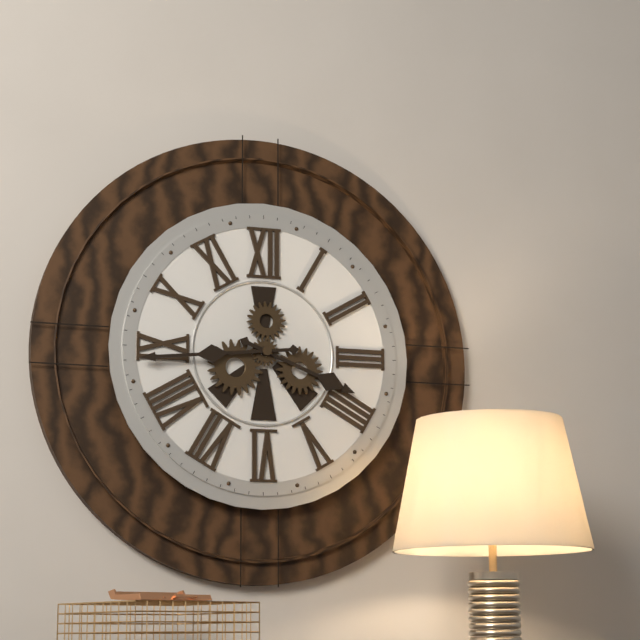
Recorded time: **3:44**
